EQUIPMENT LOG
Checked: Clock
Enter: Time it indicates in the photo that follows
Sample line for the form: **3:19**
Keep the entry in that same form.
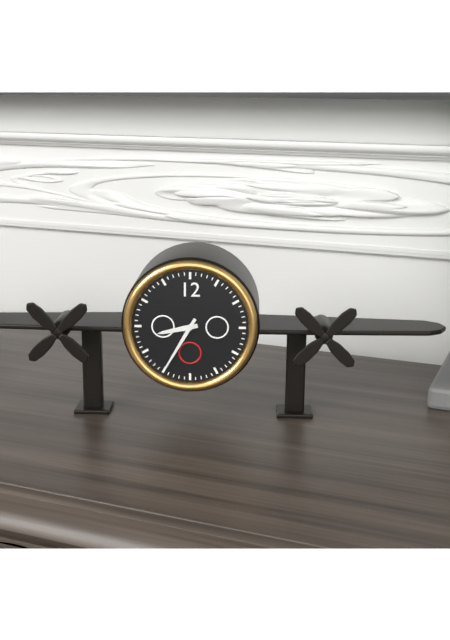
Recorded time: **8:35**
